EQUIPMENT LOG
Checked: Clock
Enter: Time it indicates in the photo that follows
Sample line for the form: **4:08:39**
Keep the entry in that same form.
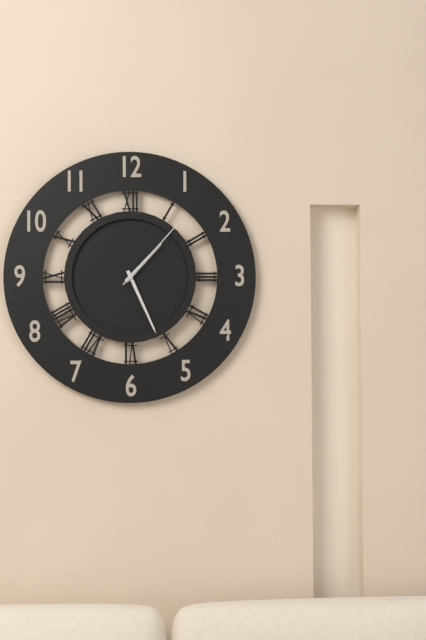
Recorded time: **1:26:07**
